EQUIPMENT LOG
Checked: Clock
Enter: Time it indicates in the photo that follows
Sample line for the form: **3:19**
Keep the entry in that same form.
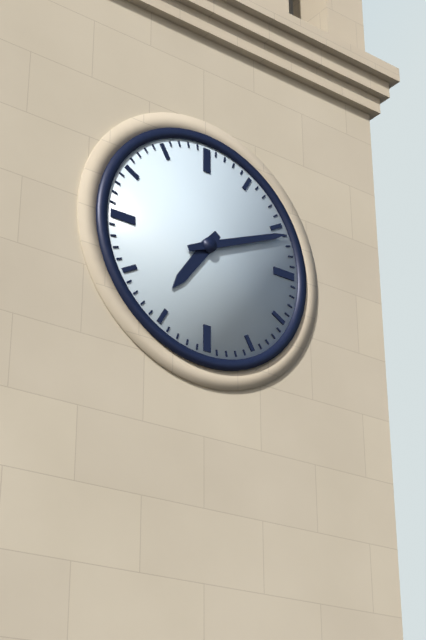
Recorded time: **7:11**
